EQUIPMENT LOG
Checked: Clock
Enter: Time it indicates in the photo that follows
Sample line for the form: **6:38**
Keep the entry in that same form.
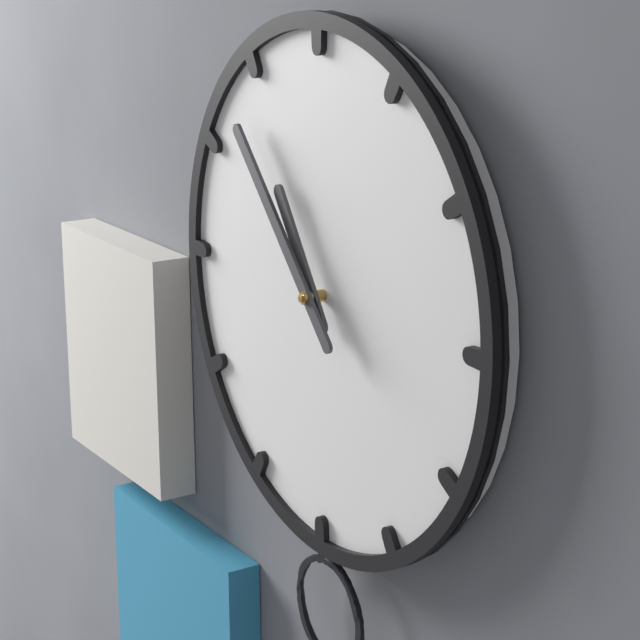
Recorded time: **10:53**
